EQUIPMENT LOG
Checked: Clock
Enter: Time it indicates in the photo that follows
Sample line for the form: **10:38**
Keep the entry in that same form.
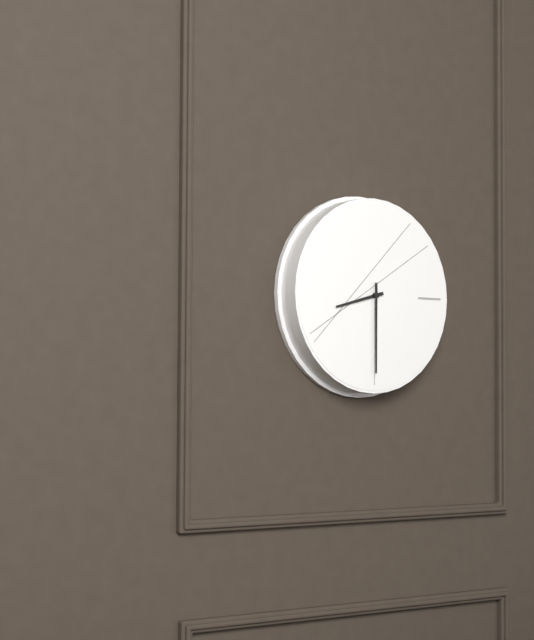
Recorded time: **8:30**
